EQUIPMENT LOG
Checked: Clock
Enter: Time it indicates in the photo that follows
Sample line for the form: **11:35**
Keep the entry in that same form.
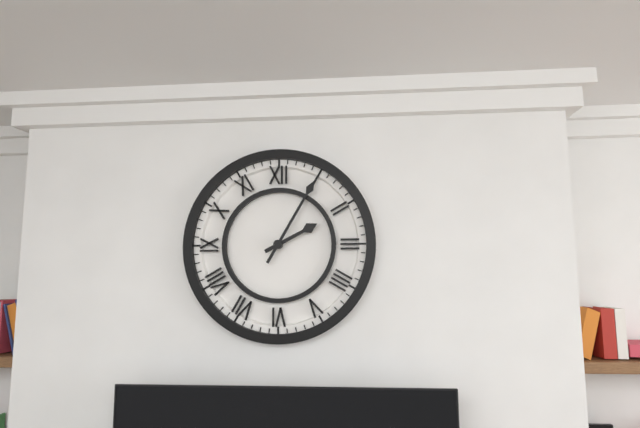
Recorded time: **2:05**
